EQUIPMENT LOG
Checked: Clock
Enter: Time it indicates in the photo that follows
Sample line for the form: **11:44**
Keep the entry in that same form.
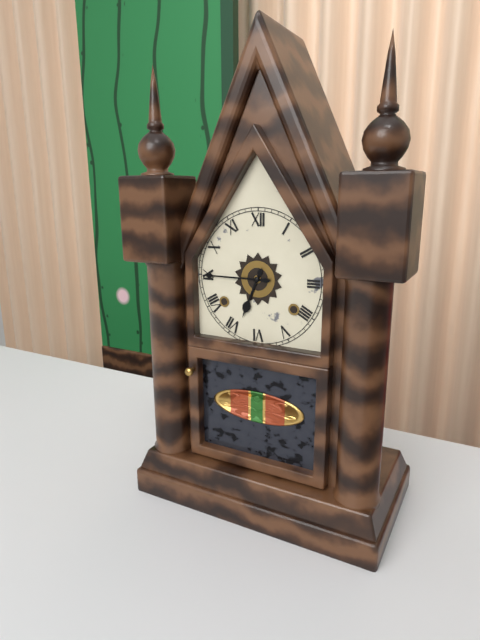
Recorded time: **6:45**
